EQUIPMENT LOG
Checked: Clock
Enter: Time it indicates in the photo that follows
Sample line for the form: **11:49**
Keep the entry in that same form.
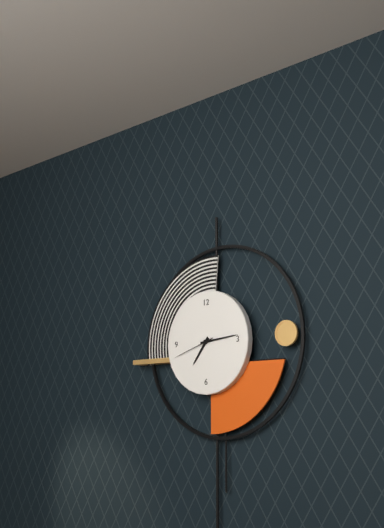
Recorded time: **7:14**
